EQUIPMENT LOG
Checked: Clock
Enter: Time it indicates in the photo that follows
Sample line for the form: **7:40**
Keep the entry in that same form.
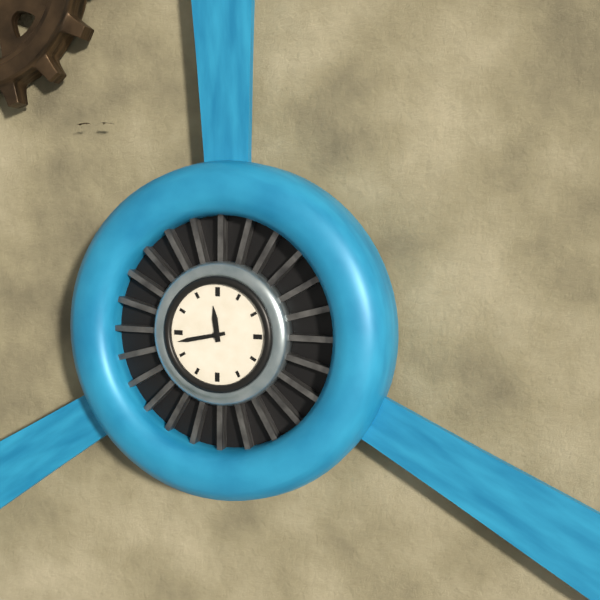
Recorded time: **11:43**
